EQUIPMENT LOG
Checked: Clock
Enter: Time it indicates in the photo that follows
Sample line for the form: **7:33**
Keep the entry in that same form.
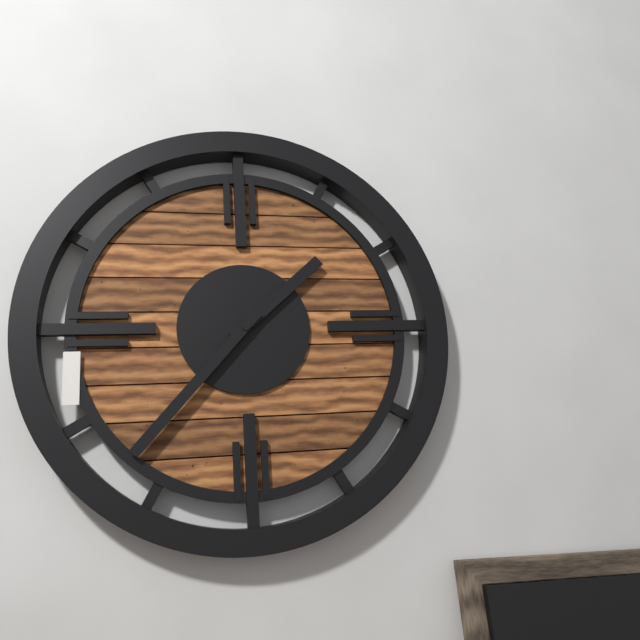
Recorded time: **1:37**
